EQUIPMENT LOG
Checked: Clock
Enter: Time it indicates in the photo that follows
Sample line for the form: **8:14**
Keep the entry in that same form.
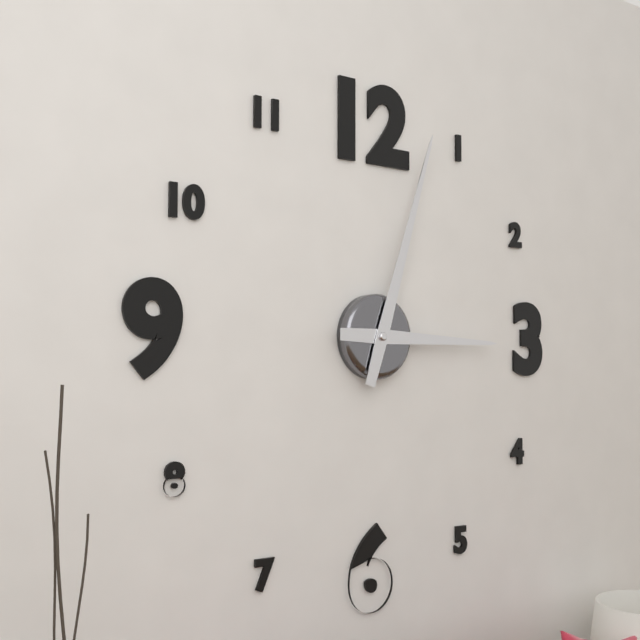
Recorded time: **3:03**
